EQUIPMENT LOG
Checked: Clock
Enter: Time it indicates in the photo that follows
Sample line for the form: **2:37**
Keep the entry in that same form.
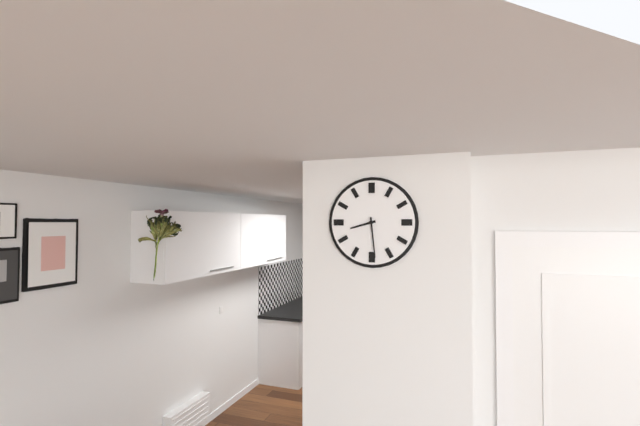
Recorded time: **8:29**
